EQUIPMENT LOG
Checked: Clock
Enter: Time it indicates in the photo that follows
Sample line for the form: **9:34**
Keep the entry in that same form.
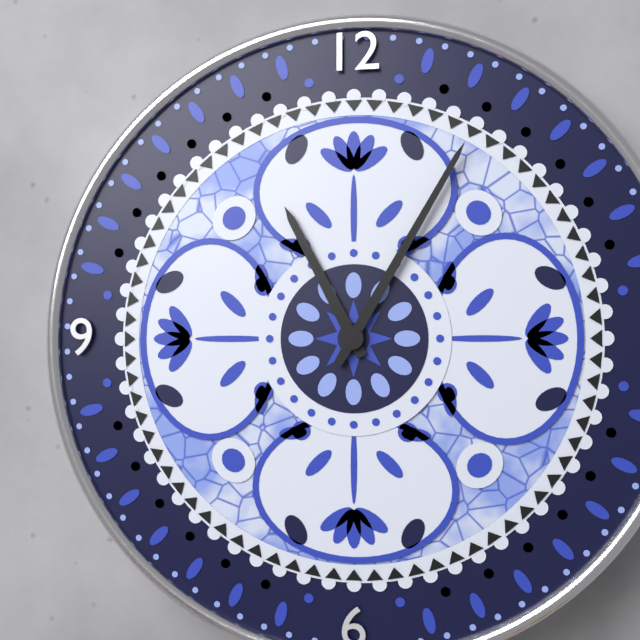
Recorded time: **11:05**
